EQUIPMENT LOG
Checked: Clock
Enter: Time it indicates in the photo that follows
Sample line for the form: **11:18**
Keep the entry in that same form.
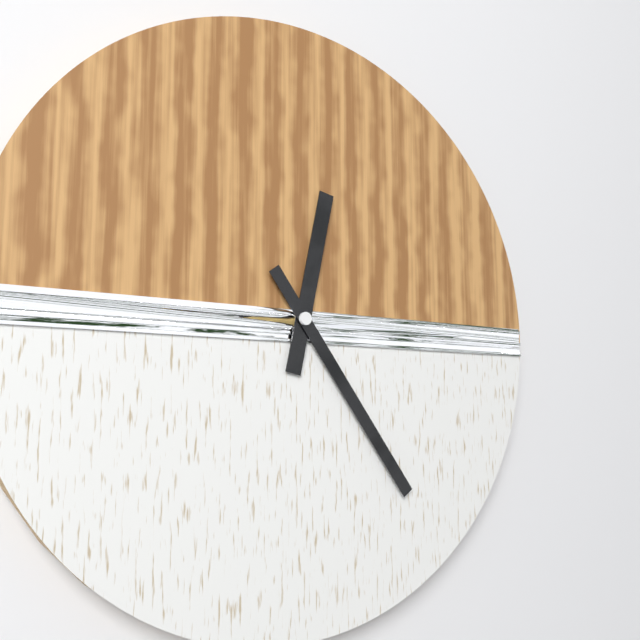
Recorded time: **12:24**
